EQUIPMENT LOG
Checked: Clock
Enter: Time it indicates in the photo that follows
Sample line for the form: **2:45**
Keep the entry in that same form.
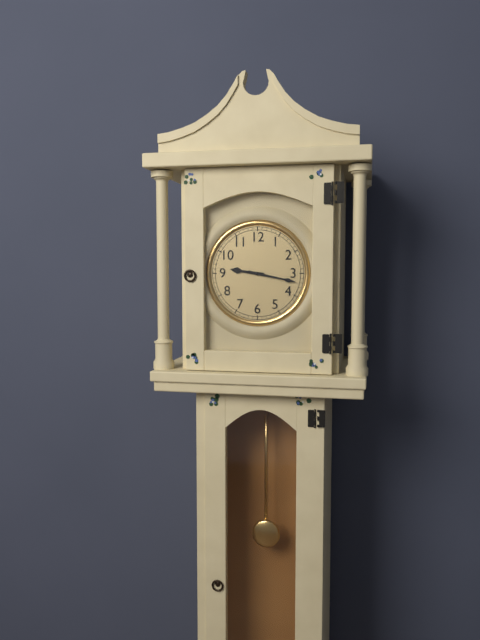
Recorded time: **9:17**
